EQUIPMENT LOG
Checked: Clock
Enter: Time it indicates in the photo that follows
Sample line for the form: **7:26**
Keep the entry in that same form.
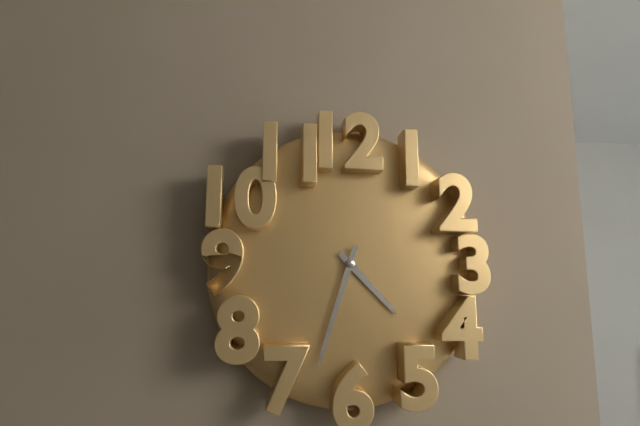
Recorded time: **4:33**
